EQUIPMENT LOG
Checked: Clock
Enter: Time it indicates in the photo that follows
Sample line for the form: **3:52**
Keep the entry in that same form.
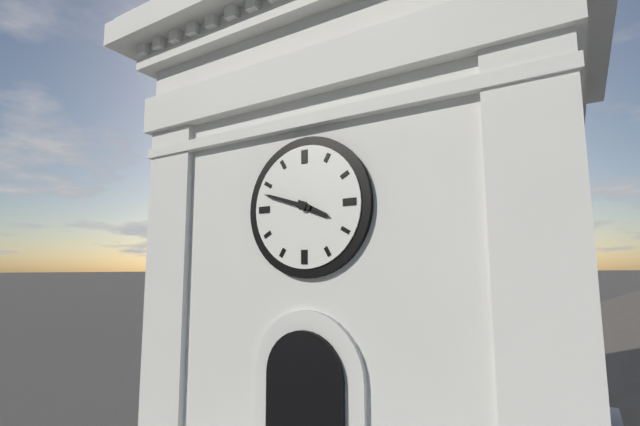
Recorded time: **3:48**
